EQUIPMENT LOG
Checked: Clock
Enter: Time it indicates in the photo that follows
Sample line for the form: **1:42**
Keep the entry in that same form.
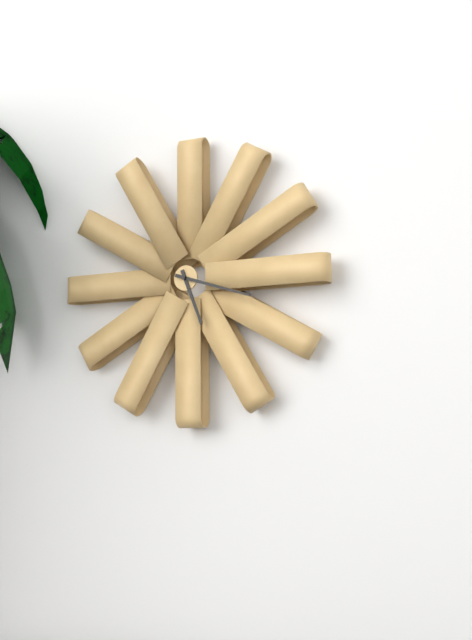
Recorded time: **5:18**
